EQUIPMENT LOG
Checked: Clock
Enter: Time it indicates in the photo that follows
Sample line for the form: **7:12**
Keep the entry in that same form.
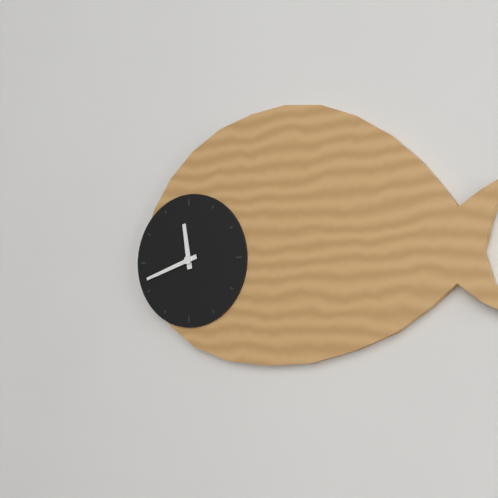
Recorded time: **11:42**
